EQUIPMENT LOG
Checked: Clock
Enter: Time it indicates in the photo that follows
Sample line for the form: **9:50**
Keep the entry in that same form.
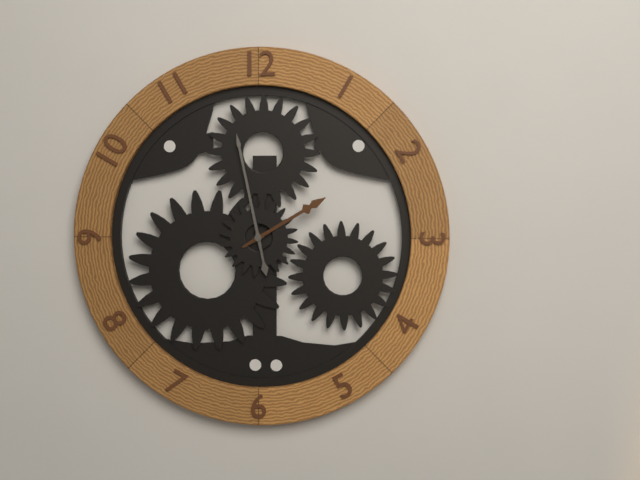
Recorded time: **1:58**
